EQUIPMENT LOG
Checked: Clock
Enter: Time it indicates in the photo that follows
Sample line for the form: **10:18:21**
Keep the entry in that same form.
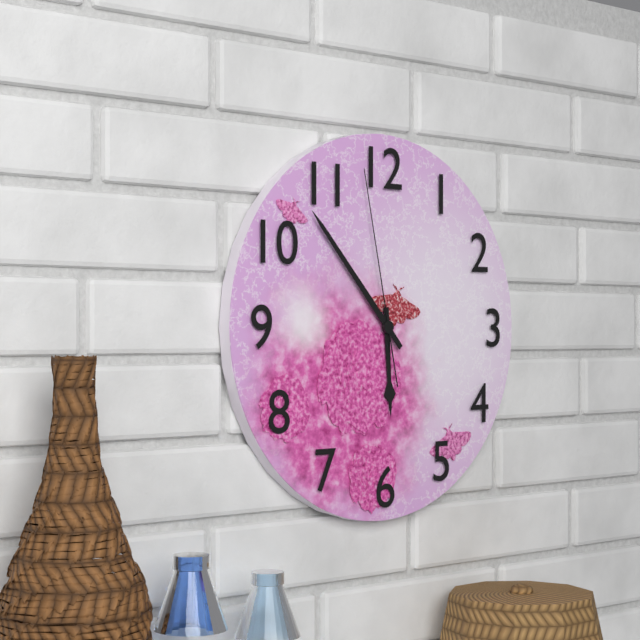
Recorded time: **5:53:58**
